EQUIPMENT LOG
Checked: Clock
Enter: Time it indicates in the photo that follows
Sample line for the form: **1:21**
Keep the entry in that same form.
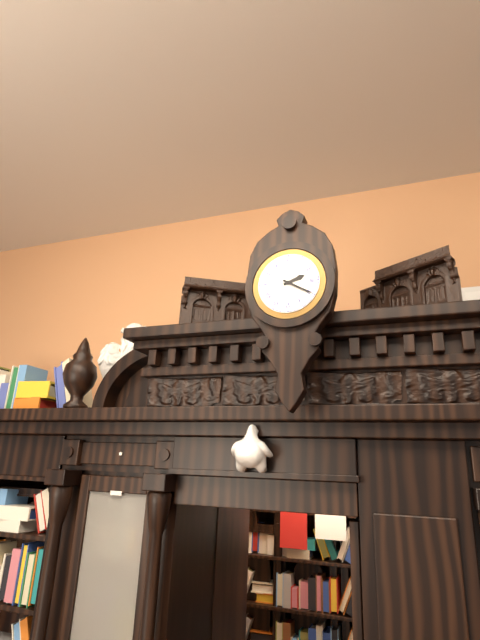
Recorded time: **2:20**
